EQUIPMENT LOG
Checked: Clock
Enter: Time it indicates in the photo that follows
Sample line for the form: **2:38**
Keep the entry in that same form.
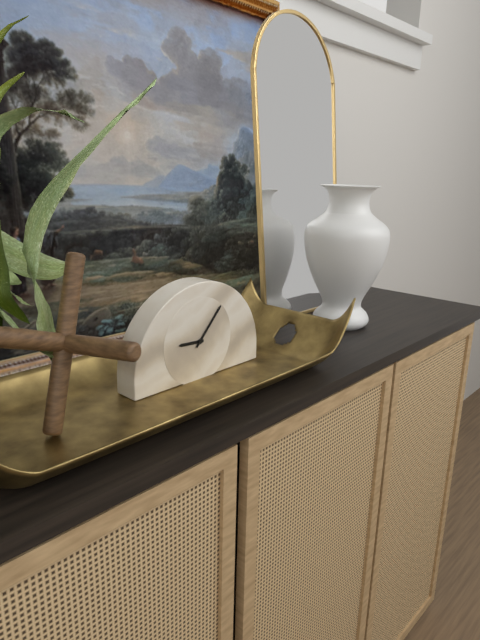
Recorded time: **9:07**
